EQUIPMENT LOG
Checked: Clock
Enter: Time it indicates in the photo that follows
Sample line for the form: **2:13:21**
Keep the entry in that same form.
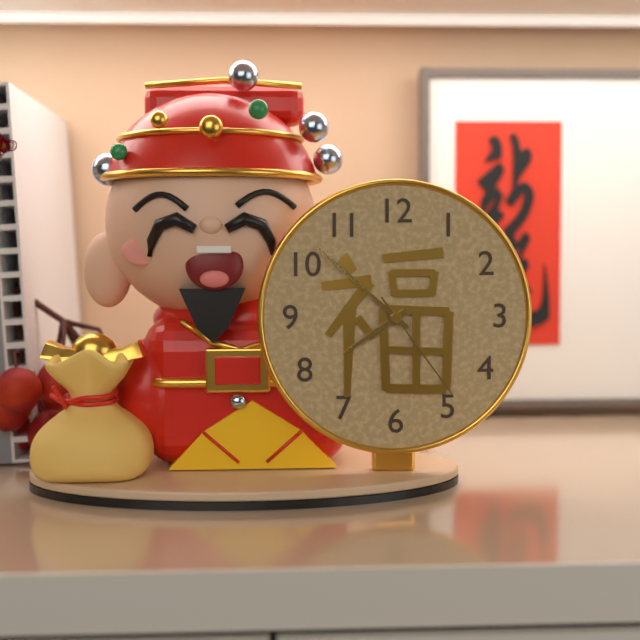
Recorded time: **7:52:24**
